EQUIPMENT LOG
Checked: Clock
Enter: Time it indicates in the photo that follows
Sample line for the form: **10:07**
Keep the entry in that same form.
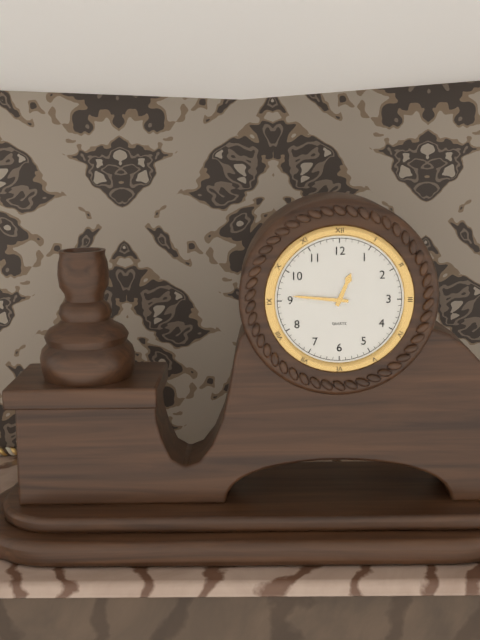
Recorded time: **12:46**
